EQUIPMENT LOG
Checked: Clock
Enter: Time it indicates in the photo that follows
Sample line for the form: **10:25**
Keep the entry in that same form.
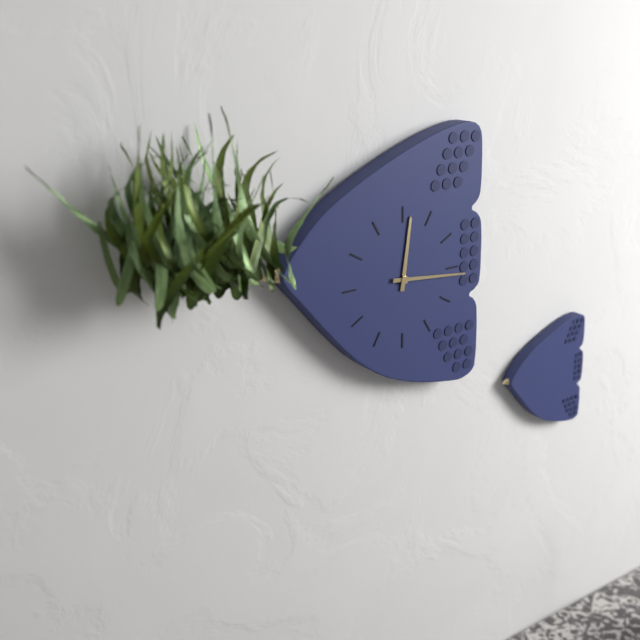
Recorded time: **12:16**
